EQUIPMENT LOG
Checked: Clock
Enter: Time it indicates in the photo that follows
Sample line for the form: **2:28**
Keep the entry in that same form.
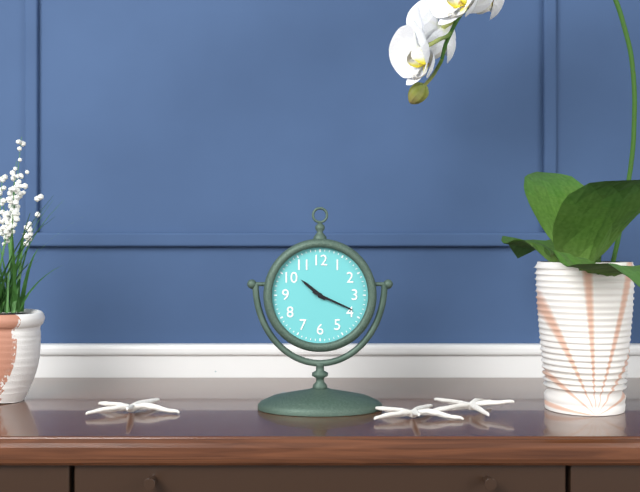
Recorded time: **10:19**
